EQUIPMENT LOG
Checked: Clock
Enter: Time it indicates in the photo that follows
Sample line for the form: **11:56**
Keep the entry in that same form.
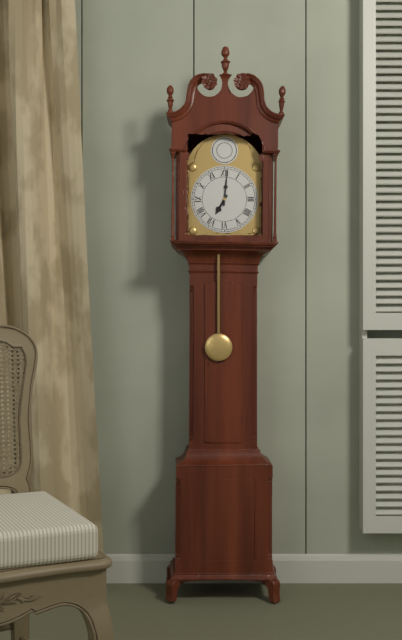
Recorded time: **7:01**
